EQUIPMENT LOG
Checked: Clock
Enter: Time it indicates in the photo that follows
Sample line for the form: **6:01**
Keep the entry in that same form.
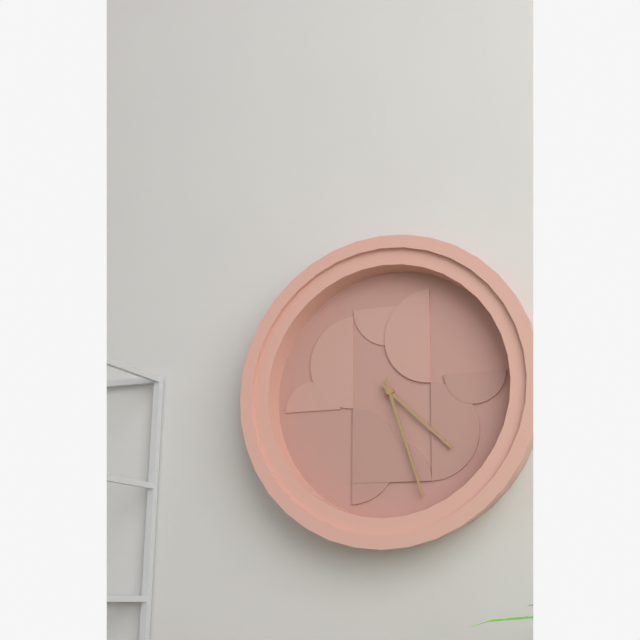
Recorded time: **4:27**
